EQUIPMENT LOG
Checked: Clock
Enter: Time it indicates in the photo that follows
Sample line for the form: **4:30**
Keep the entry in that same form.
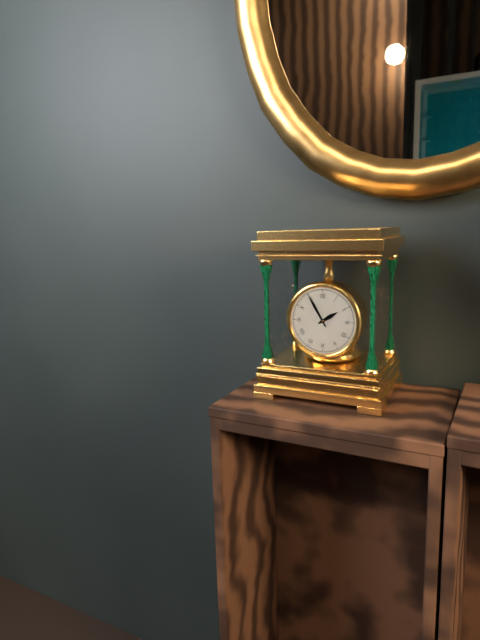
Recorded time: **1:55**
